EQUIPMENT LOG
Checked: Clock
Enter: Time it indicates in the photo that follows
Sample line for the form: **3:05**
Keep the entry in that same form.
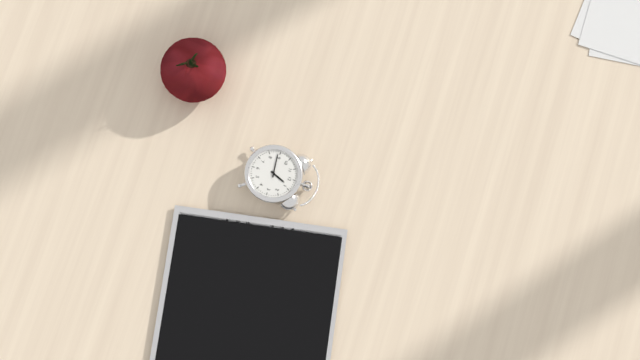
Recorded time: **12:44**
